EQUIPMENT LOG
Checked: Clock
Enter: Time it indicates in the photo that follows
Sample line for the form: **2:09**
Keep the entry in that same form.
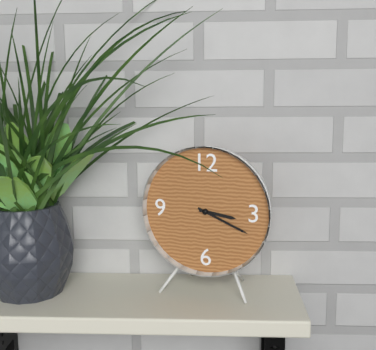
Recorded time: **3:19**
